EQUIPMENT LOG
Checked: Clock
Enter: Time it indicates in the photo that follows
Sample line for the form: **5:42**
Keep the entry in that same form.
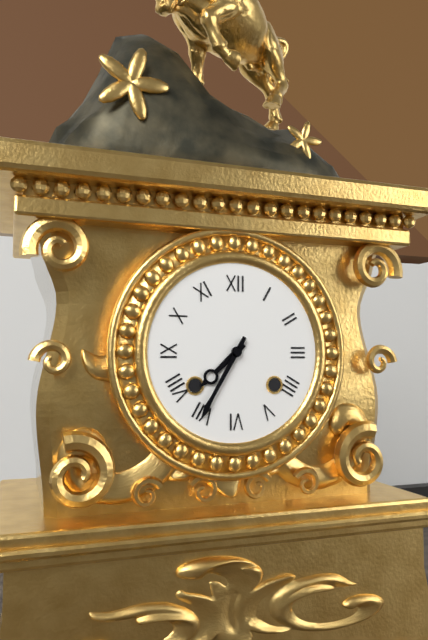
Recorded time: **7:35**
